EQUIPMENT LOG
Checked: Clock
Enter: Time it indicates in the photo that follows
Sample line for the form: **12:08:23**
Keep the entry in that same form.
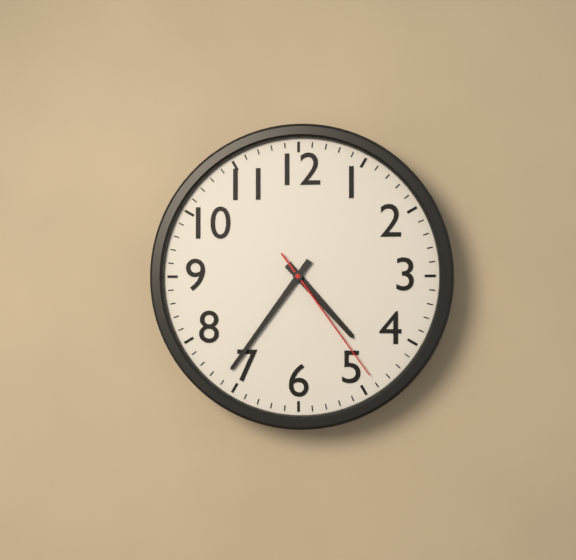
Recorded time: **4:36:24**
